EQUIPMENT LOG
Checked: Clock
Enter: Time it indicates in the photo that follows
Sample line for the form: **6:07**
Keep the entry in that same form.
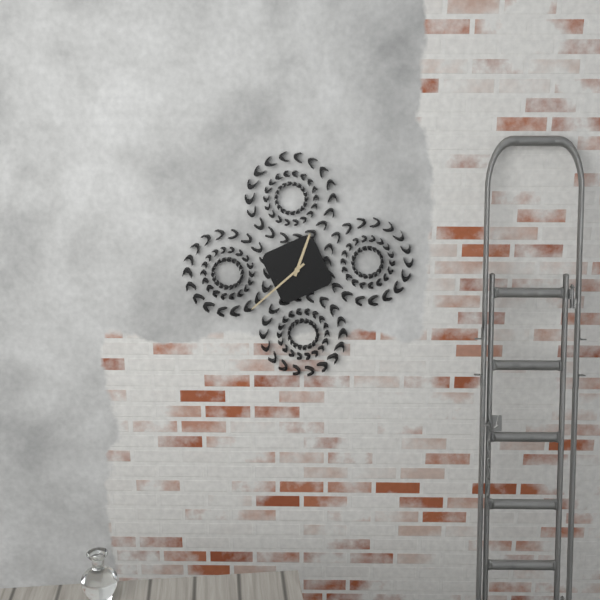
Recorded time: **12:38**
